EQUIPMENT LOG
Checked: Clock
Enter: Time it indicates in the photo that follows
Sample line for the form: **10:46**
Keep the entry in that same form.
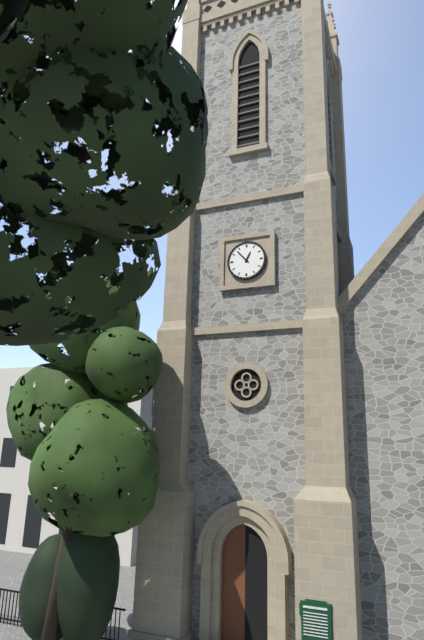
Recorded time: **12:53**
